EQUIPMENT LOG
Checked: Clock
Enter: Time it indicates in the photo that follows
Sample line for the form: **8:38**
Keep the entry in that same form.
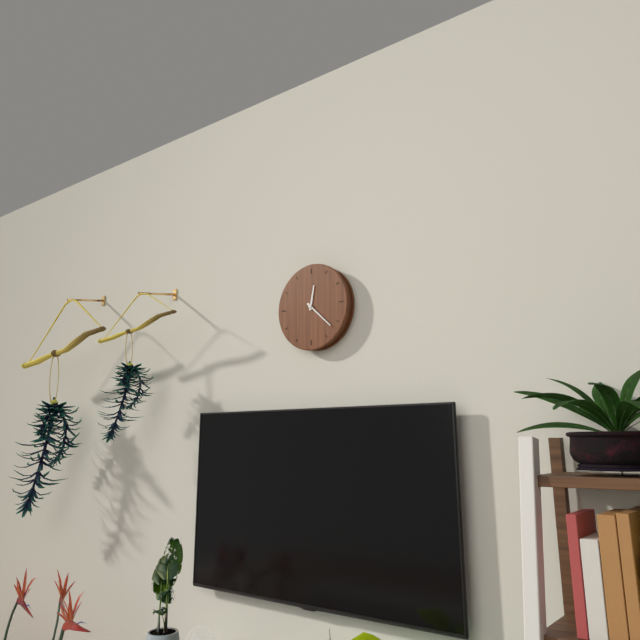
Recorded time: **12:22**
